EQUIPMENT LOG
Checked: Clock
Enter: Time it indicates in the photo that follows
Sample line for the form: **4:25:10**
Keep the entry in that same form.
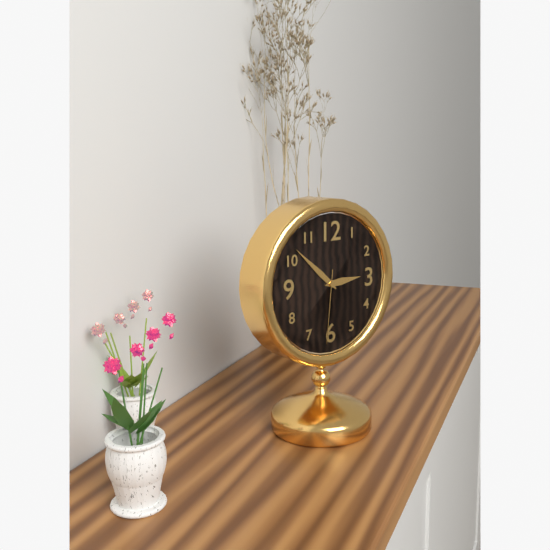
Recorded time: **2:52:31**
